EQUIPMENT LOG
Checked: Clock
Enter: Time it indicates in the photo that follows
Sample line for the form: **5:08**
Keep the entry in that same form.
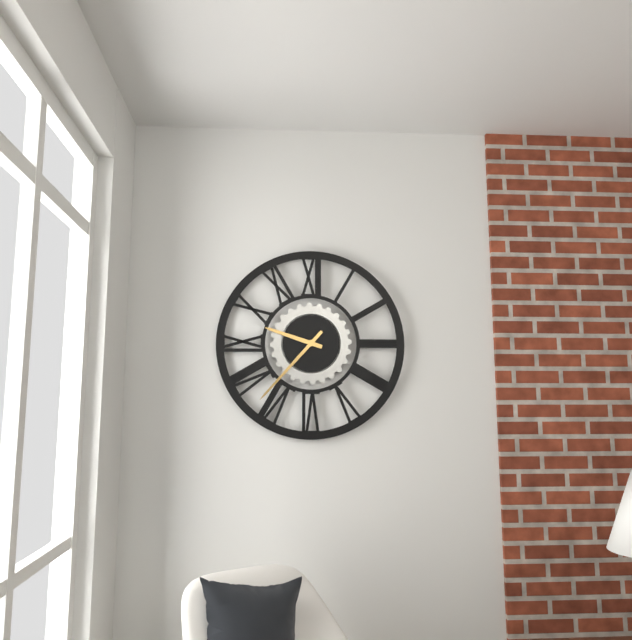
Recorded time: **9:37**
